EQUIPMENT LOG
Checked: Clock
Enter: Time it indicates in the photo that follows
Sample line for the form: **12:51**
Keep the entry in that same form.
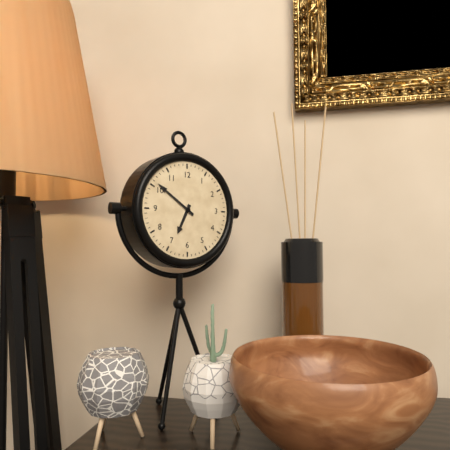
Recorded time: **6:51**
